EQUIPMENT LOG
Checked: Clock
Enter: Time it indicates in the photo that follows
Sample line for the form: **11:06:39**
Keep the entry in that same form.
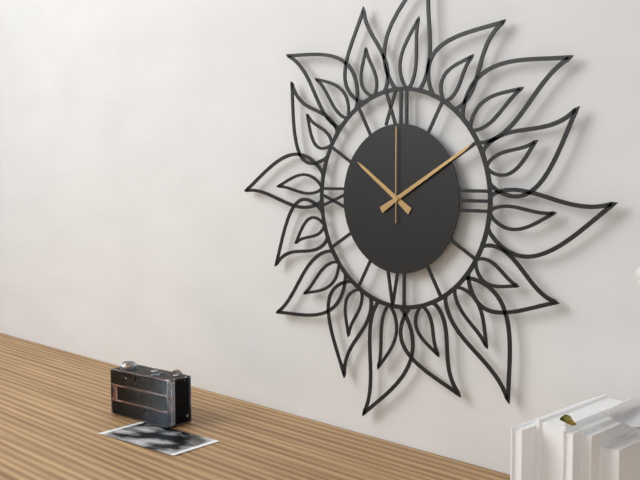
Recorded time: **10:10:00**
